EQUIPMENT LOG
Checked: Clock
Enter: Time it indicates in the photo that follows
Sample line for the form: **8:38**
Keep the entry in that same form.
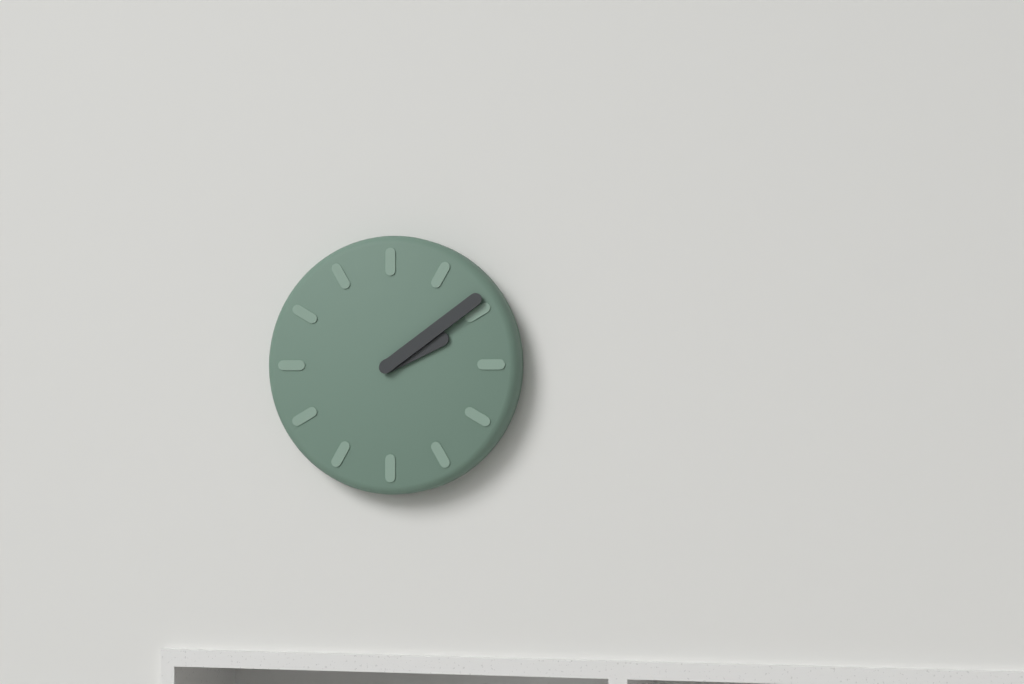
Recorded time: **2:09**
